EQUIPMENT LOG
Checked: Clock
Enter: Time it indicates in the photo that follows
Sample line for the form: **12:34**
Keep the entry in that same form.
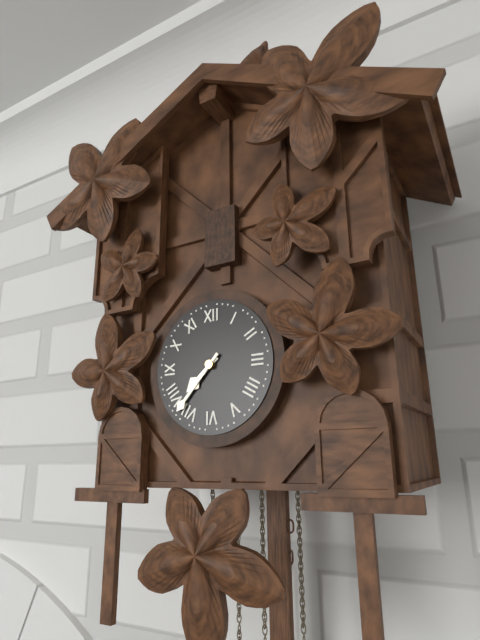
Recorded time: **7:37**
